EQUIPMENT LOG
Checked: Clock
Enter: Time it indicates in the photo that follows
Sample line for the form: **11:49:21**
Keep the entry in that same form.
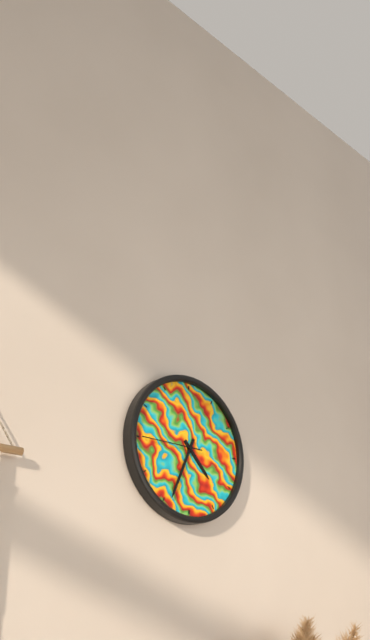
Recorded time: **4:34:45**
